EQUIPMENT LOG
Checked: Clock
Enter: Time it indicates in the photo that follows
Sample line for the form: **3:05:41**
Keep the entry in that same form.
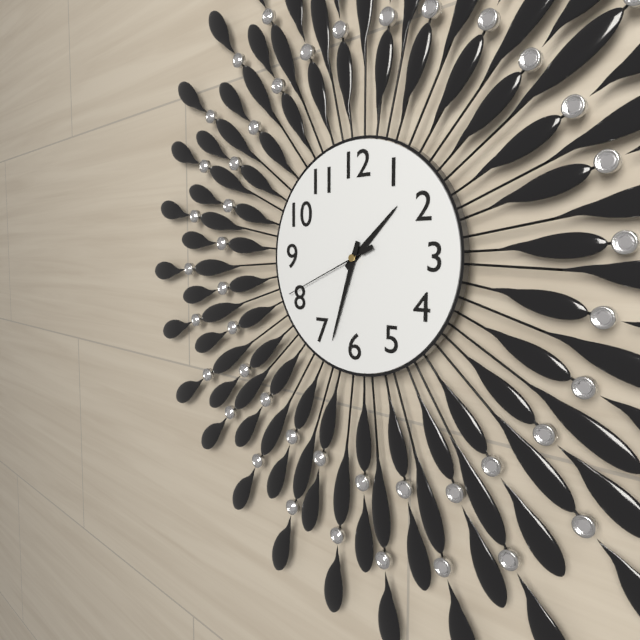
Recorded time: **1:33:41**
